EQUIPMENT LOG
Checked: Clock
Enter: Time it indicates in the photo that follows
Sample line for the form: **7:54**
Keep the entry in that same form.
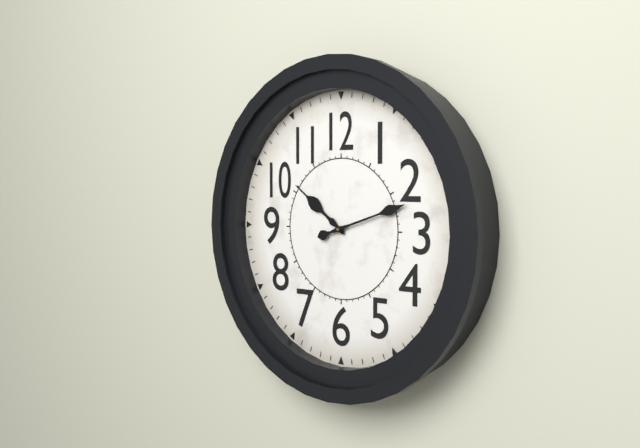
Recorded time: **10:12**
